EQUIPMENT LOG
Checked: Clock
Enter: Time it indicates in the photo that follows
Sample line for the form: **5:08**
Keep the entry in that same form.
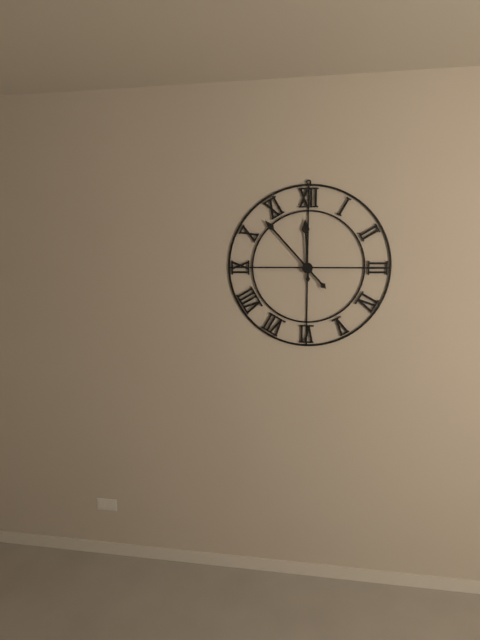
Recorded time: **11:53**
